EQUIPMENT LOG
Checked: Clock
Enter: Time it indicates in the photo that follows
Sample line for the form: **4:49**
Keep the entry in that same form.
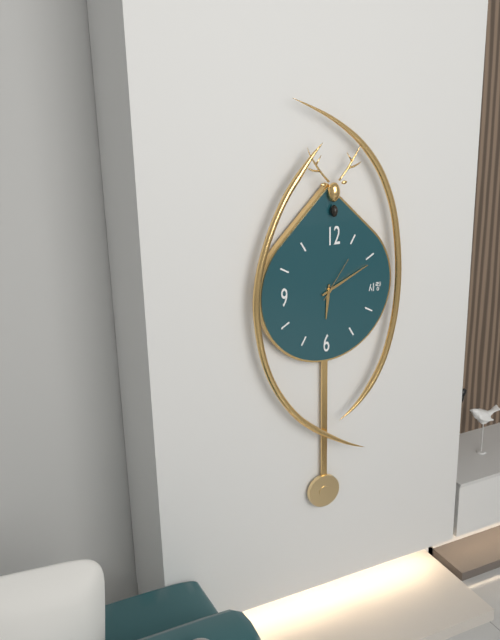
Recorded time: **6:11**
